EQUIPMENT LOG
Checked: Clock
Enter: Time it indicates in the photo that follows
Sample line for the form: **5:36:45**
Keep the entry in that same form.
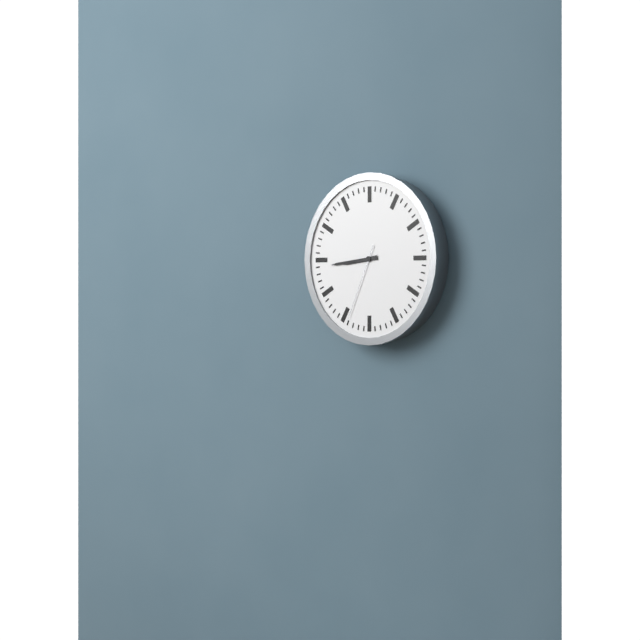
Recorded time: **8:44:34**
